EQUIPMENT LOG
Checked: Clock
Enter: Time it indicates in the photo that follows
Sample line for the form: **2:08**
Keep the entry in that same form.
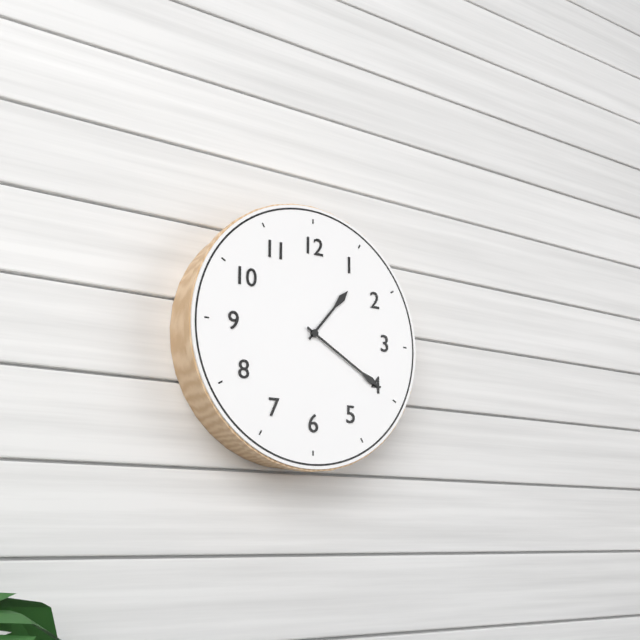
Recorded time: **1:20**
